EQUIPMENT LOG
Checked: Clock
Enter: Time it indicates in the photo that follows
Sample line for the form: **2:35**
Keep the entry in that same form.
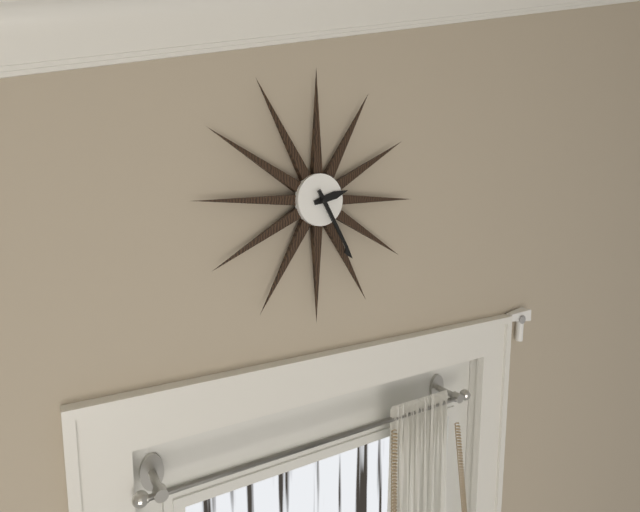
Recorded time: **2:25**
